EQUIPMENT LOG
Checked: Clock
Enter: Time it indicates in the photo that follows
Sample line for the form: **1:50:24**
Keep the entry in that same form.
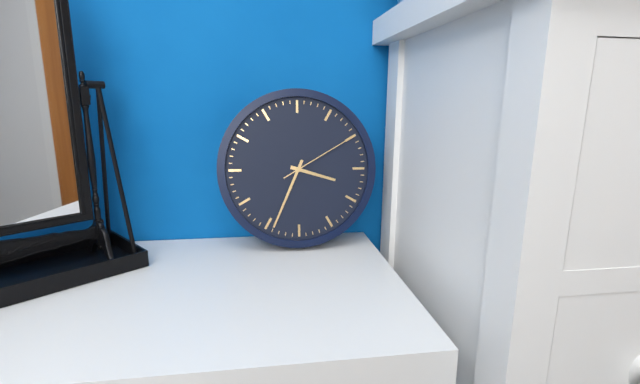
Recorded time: **3:34:10**
